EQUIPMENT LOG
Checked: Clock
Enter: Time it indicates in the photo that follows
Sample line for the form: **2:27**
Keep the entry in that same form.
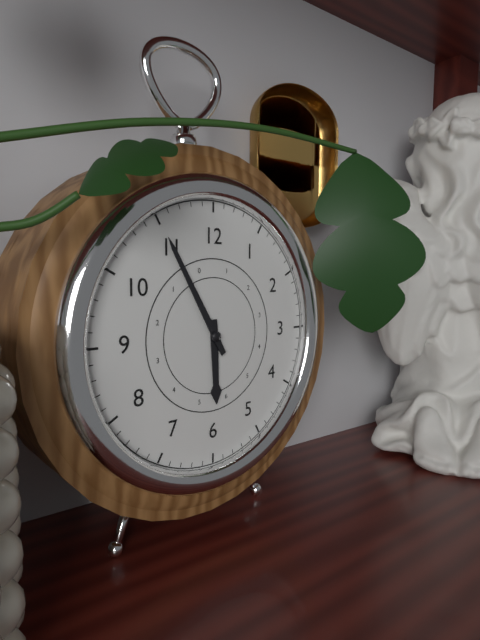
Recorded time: **5:55**
